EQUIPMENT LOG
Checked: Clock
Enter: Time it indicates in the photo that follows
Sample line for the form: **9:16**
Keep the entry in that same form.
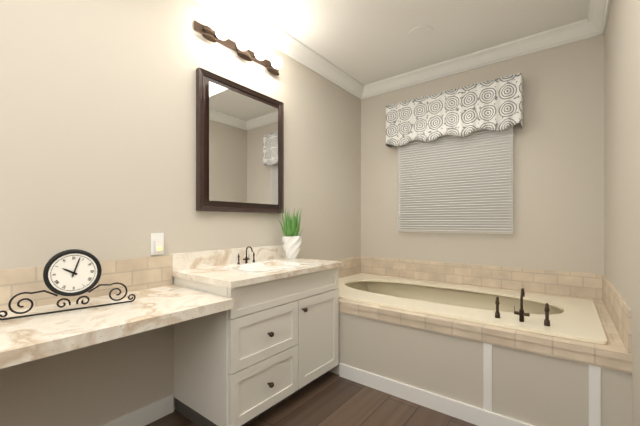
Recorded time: **10:03**
